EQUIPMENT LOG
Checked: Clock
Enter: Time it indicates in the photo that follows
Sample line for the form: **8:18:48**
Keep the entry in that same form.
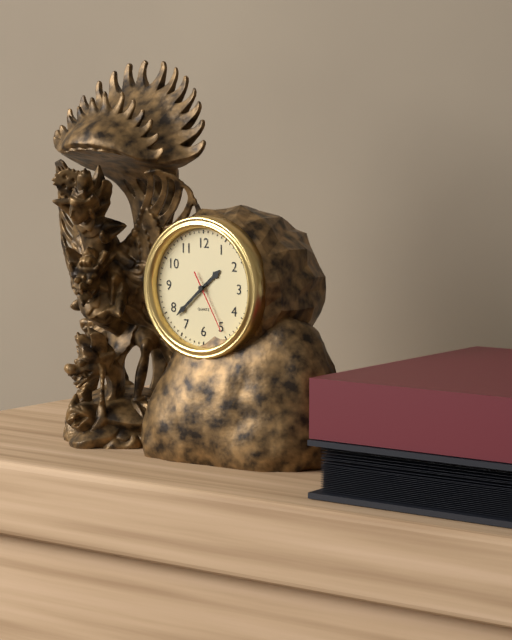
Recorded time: **1:38:25**
